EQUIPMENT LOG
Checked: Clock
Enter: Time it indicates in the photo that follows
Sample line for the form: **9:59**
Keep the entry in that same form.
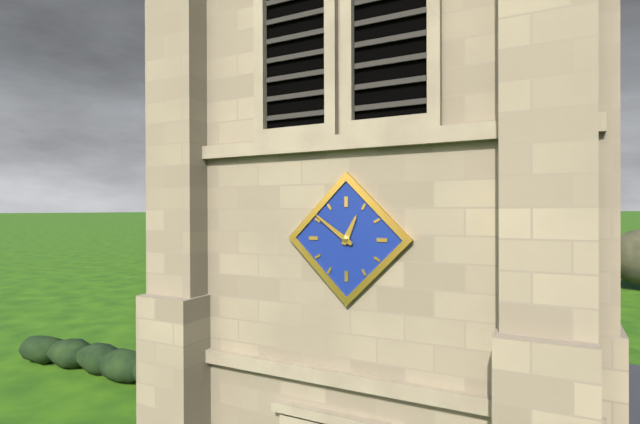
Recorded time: **12:51**
